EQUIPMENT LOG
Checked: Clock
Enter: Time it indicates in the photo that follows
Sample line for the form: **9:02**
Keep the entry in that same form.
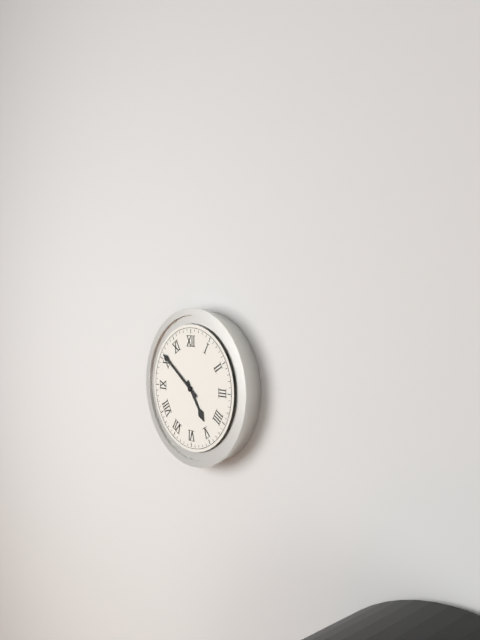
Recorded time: **4:51**
